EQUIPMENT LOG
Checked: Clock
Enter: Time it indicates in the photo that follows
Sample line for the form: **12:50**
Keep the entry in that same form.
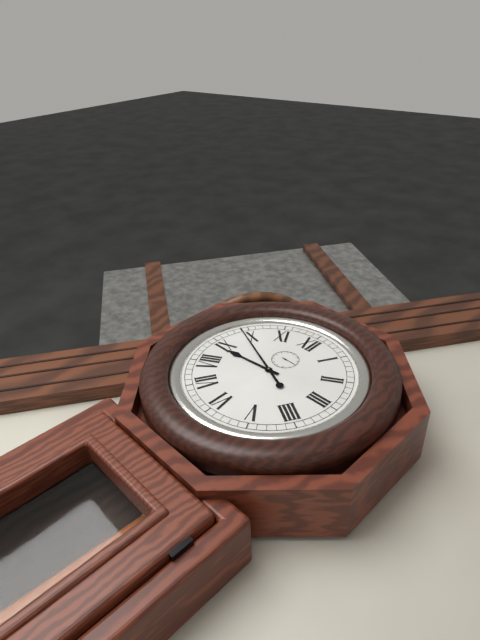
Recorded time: **8:49**
